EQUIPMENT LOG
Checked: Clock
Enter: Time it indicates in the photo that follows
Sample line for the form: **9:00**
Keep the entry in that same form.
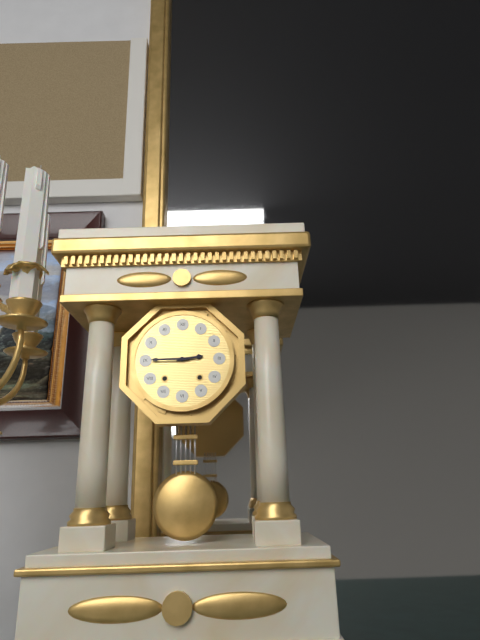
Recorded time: **2:45**
